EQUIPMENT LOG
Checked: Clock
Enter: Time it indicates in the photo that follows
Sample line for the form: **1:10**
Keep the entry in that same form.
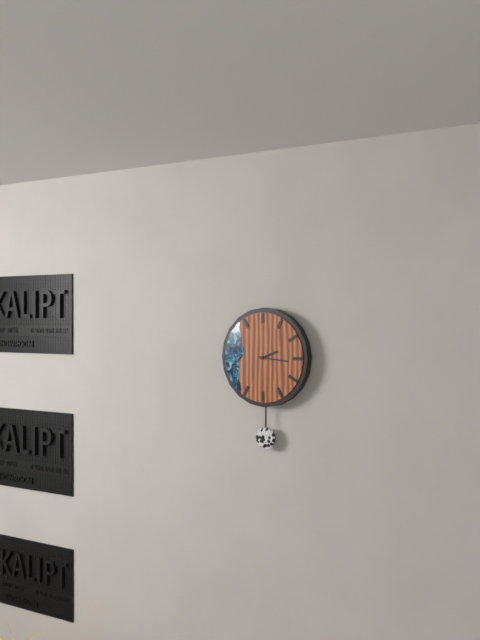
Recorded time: **2:16**
